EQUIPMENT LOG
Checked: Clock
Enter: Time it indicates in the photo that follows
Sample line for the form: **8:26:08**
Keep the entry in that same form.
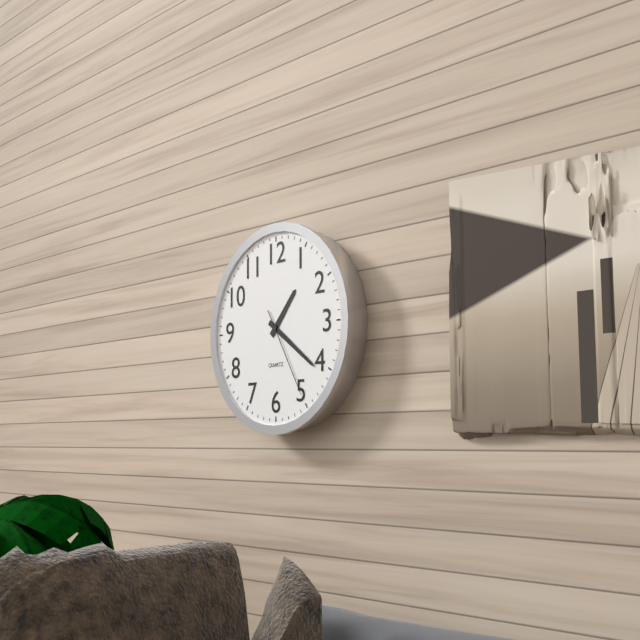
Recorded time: **1:21:25**
